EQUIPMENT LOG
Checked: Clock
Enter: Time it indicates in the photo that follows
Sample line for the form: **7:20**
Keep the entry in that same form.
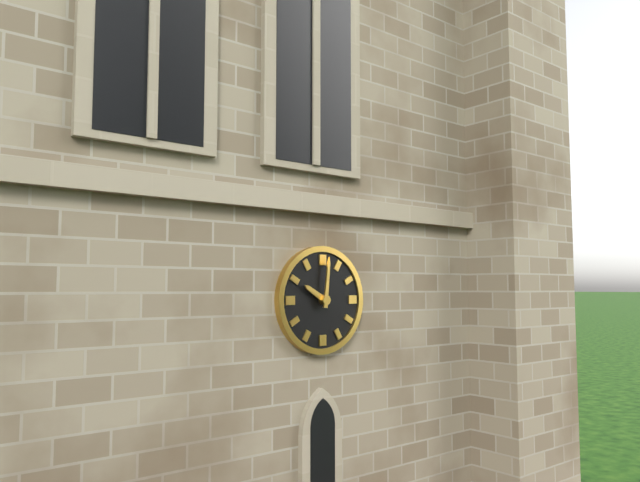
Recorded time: **10:01**
